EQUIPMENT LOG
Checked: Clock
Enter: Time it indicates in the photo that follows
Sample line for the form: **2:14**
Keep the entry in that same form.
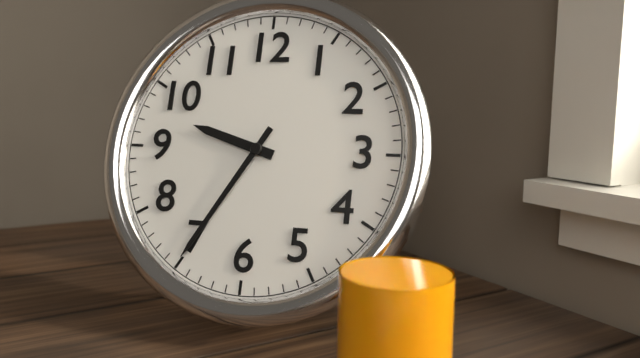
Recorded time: **9:35**
